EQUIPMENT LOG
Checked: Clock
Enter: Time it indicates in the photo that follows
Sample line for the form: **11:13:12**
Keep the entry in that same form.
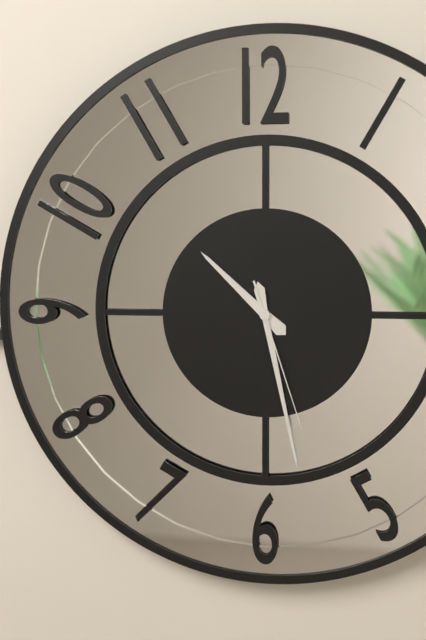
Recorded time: **10:28:27**
